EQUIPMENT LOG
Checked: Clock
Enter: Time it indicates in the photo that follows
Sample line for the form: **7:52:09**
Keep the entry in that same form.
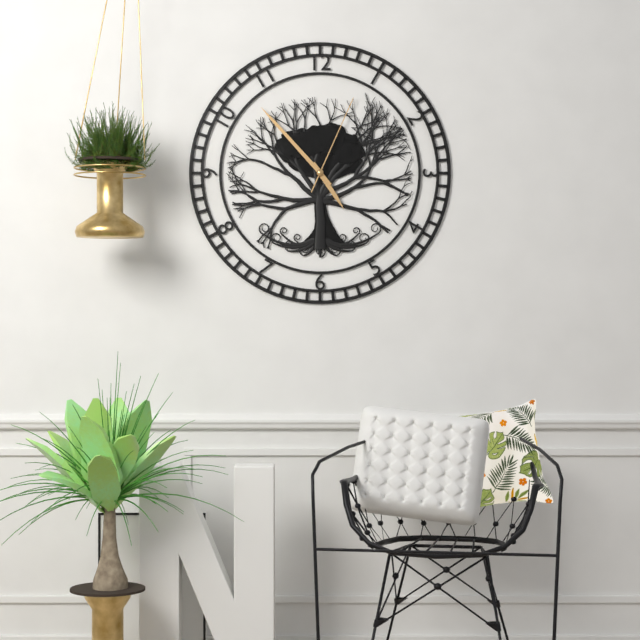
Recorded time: **4:53:04**
